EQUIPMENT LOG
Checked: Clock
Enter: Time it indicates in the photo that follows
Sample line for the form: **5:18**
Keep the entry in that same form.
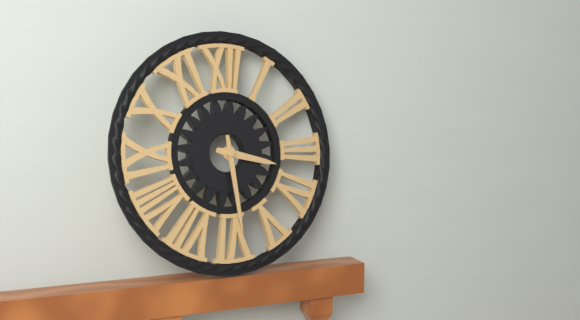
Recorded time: **3:29**
